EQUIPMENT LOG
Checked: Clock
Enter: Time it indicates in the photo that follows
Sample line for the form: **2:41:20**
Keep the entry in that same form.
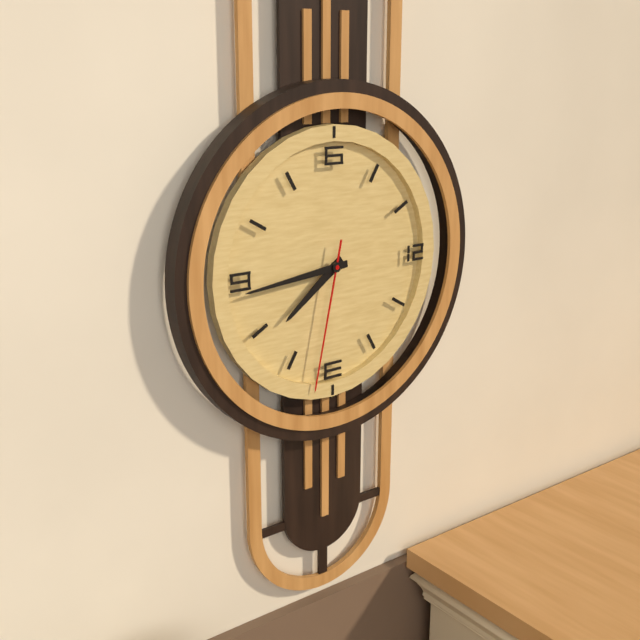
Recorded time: **7:44:32**
